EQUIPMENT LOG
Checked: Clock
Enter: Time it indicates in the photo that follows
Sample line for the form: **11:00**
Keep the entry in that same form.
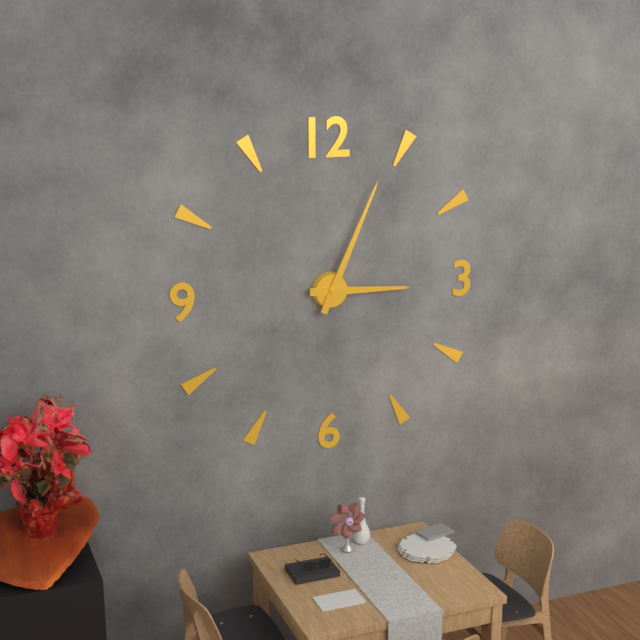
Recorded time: **3:04**
